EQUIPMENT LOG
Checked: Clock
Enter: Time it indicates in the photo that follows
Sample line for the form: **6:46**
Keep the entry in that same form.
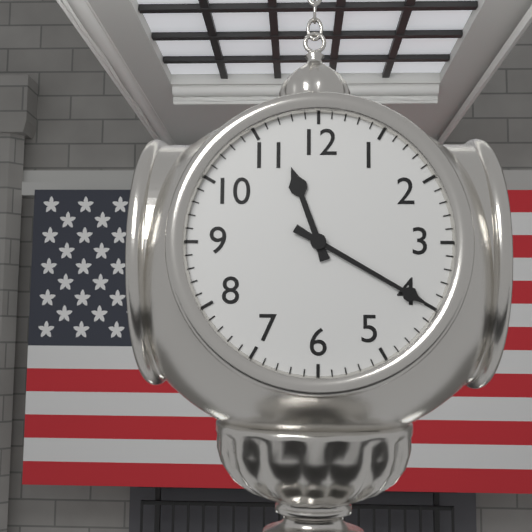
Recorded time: **11:20**
